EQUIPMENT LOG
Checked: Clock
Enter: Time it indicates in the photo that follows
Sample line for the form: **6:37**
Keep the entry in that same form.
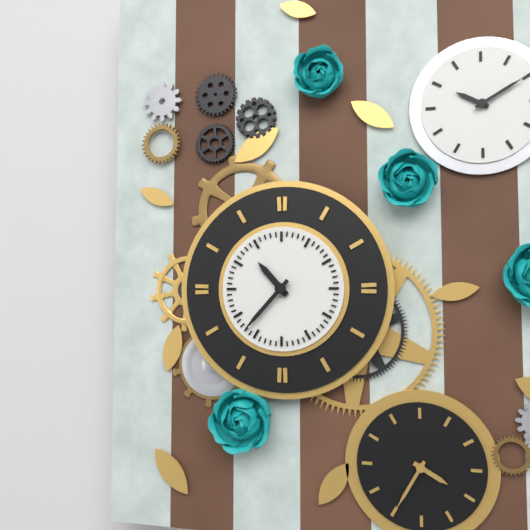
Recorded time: **10:37**
